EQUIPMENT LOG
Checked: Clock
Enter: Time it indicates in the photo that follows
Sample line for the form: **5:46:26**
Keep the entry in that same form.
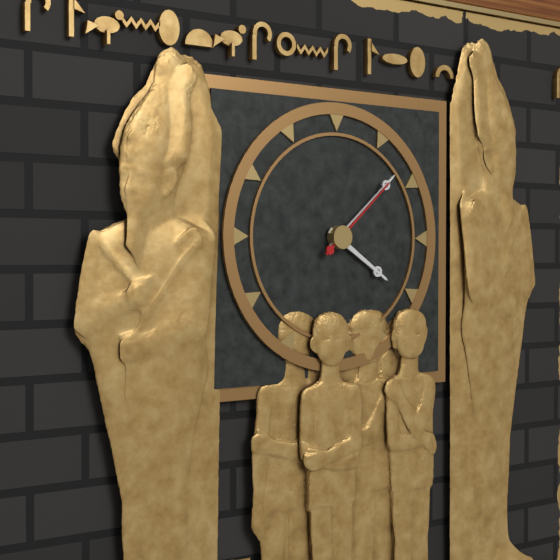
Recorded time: **4:08:08**
